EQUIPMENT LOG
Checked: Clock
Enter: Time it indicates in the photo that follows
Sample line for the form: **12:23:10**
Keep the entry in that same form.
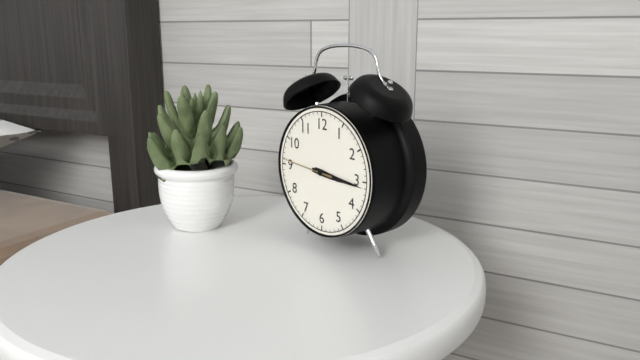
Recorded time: **3:16:46**
